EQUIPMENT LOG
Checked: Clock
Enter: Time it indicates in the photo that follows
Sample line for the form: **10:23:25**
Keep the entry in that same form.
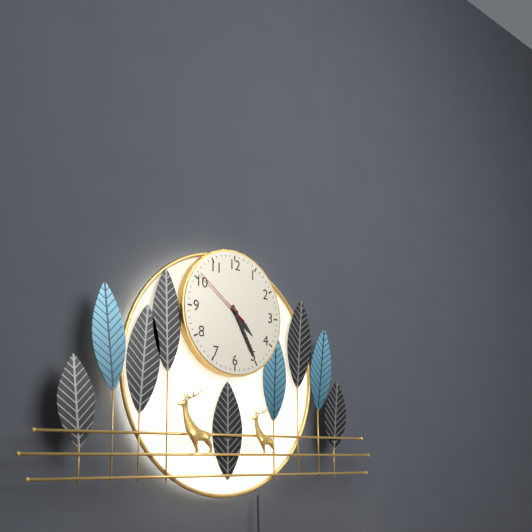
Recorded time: **4:25:51**
